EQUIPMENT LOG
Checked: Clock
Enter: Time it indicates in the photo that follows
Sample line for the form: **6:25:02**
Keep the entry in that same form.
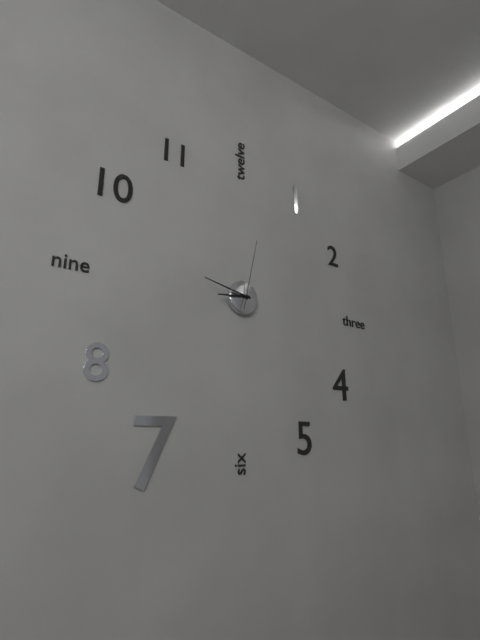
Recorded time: **8:47:02**
